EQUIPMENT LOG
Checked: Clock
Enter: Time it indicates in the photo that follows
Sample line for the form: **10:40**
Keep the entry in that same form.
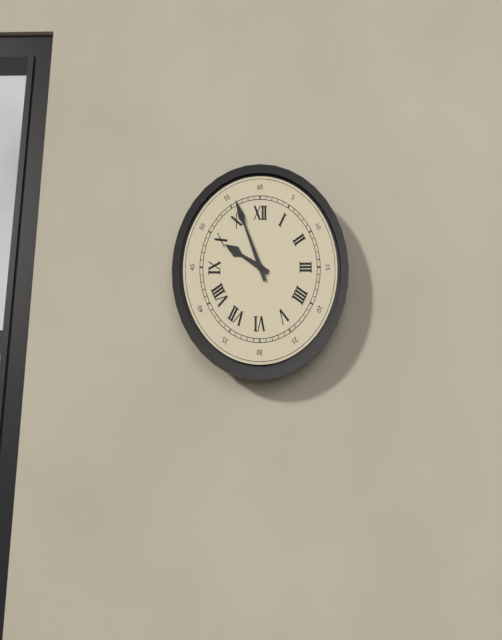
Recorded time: **9:56**
